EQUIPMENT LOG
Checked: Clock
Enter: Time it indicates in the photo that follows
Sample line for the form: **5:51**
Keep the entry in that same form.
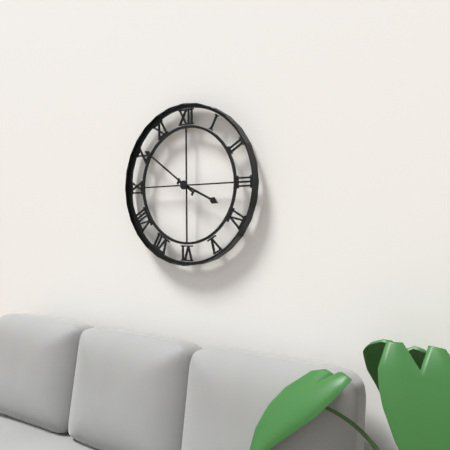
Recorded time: **3:51**
